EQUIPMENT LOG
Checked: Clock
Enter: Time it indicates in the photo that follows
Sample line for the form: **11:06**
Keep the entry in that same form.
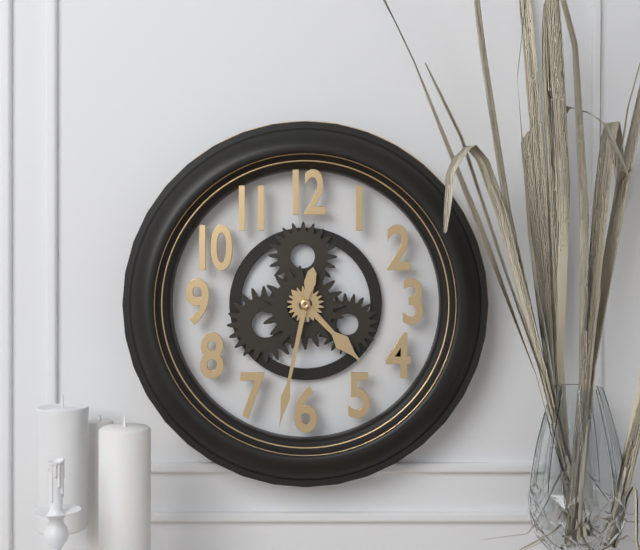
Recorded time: **4:32**
